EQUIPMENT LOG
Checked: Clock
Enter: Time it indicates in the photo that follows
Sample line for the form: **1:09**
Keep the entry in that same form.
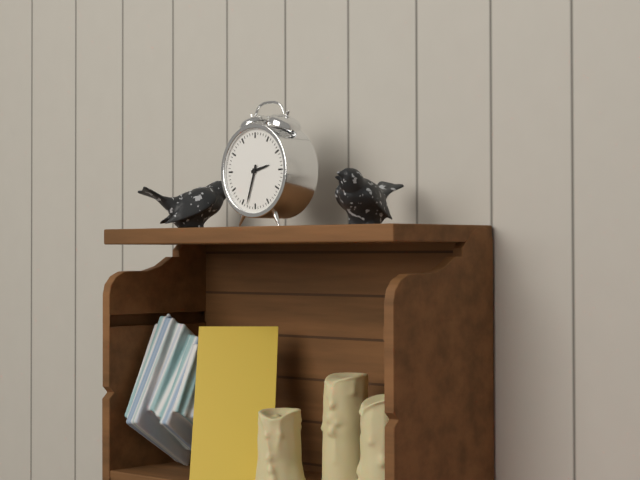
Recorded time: **2:33**
